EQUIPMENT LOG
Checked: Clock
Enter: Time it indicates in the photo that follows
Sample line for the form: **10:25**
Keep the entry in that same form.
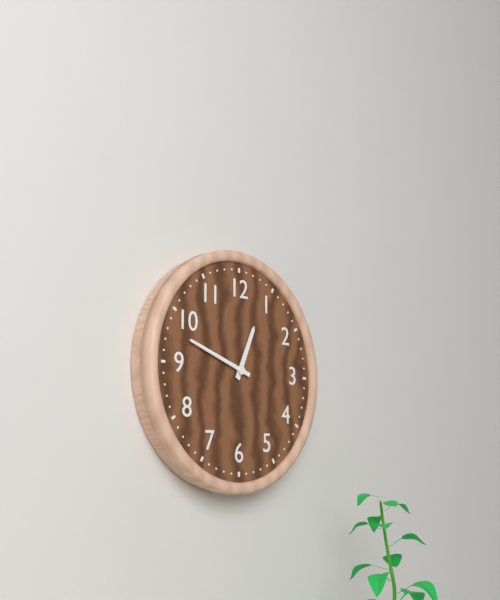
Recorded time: **12:48**
